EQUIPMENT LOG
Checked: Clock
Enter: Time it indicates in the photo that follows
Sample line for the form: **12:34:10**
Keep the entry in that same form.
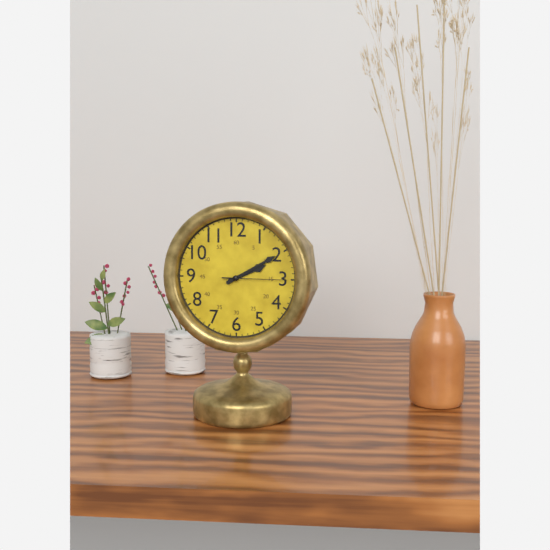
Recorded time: **2:10:15**
